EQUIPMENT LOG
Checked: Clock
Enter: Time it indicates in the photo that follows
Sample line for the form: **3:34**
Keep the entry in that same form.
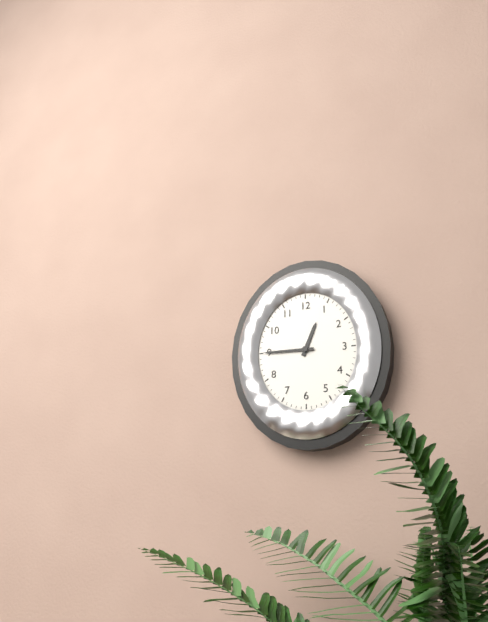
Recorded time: **12:45**
